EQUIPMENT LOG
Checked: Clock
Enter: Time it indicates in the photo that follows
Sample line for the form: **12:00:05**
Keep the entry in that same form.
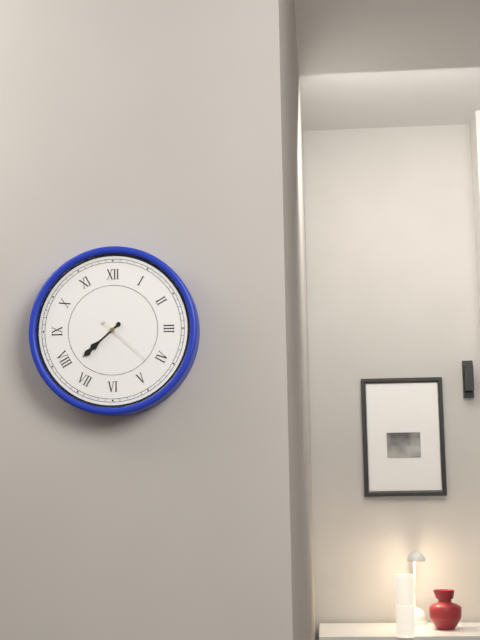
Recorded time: **7:38:22**
